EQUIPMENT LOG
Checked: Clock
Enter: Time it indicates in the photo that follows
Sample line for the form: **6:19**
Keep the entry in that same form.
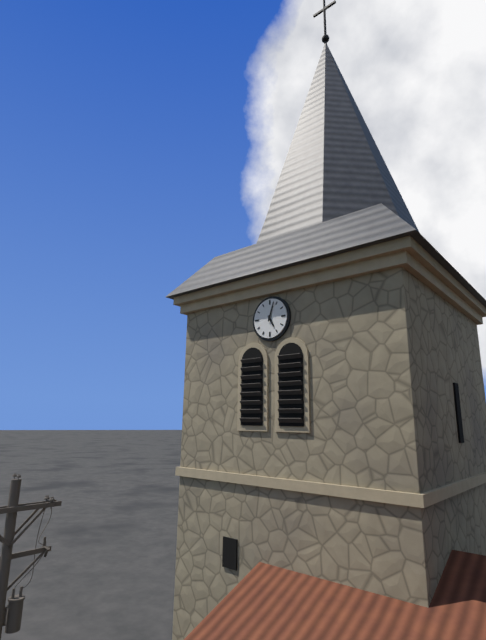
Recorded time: **5:03**
